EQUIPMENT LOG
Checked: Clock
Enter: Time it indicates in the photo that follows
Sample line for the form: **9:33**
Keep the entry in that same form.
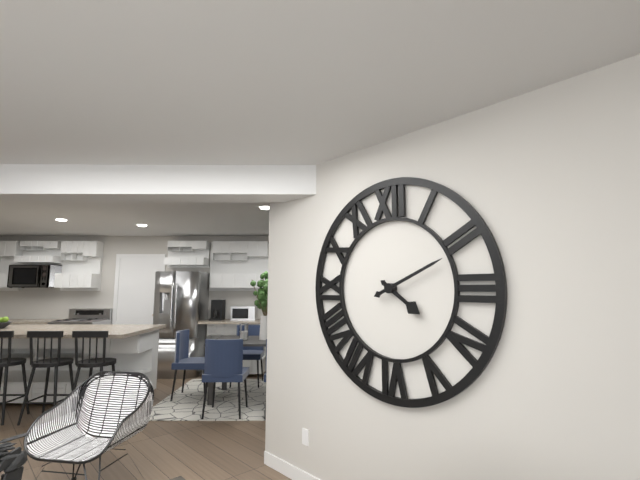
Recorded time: **4:11**
